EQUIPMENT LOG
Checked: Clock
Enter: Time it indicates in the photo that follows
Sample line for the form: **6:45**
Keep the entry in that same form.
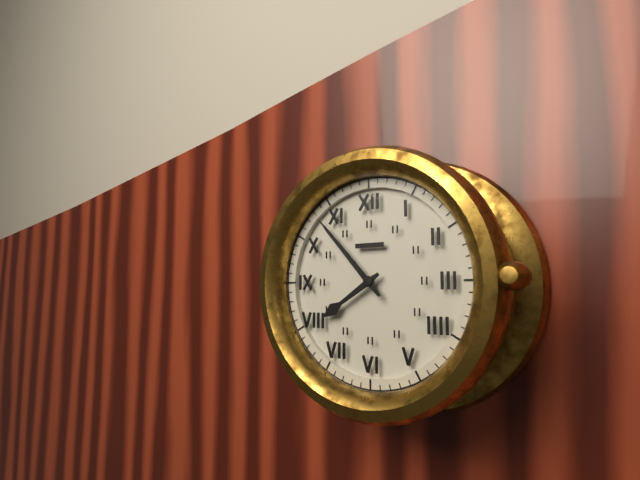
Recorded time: **7:53**
